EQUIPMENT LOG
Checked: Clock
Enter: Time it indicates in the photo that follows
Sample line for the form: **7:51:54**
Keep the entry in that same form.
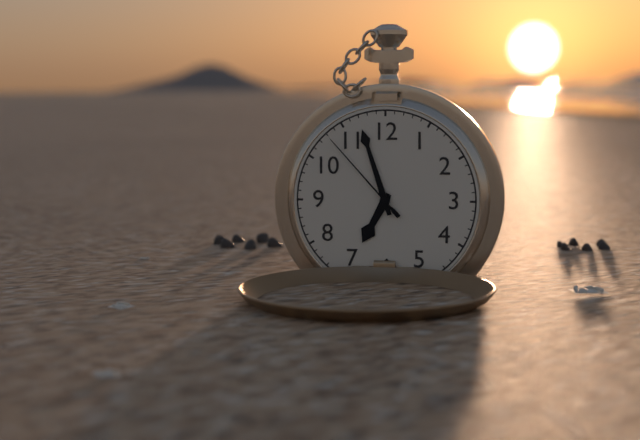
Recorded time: **6:57:53**
